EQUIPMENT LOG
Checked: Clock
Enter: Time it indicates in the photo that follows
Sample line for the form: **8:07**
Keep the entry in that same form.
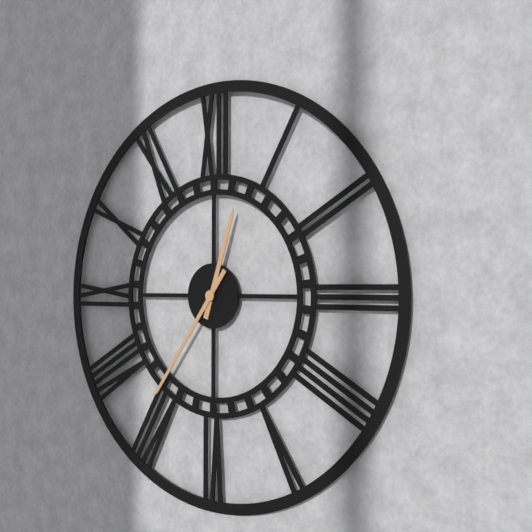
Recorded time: **12:36**
